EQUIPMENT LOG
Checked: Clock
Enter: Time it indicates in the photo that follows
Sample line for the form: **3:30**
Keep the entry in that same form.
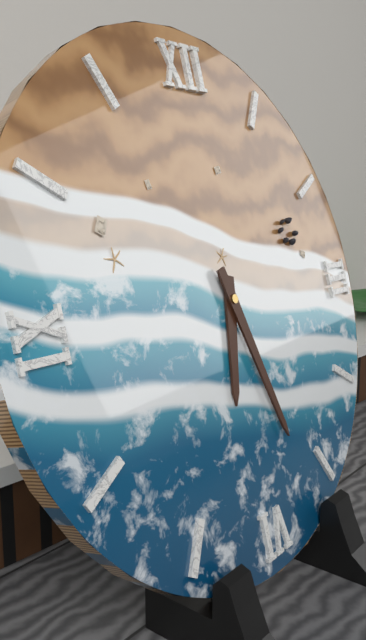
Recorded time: **6:27**
